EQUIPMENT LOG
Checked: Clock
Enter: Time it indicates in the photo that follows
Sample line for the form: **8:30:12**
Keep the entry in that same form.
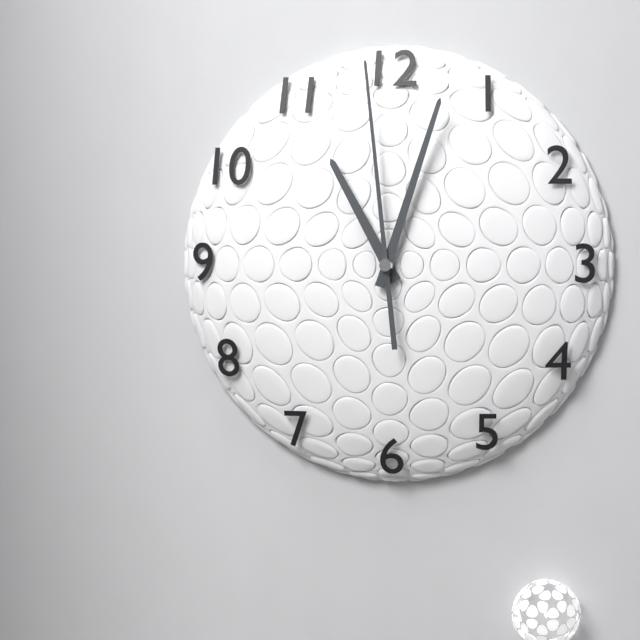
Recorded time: **11:03:59**
